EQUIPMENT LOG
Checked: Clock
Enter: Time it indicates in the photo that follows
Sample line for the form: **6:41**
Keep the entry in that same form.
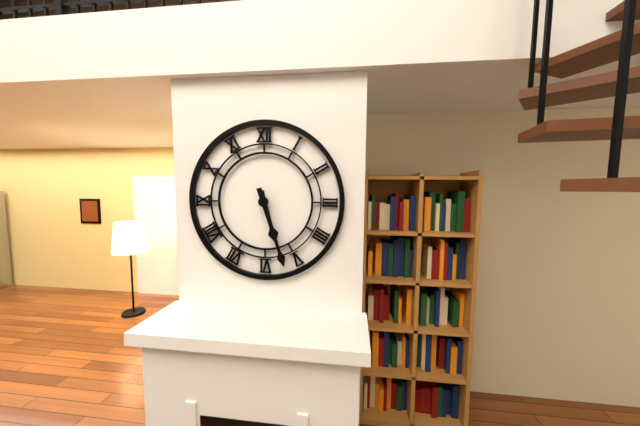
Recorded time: **5:27**
